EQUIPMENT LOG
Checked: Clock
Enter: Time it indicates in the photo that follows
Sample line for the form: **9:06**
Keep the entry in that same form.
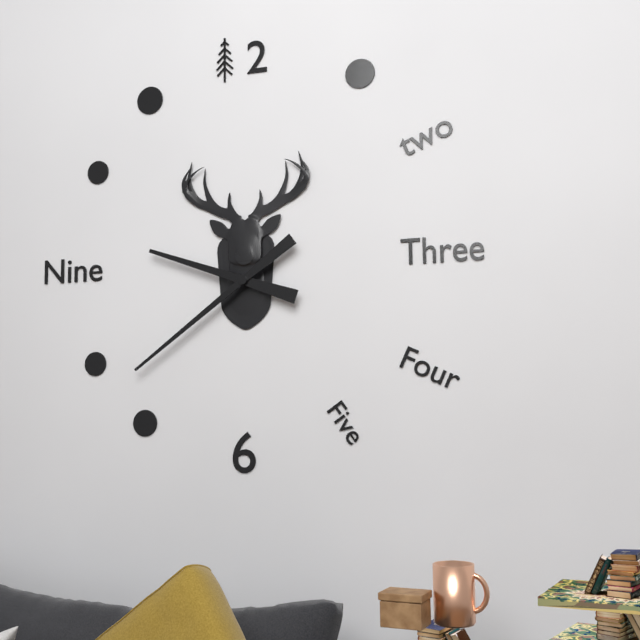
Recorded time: **9:39**
